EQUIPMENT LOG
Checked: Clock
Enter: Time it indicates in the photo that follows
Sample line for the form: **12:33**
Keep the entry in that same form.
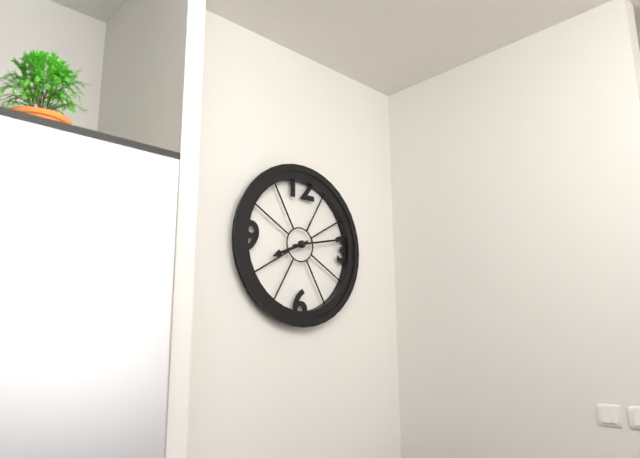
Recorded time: **8:13**
